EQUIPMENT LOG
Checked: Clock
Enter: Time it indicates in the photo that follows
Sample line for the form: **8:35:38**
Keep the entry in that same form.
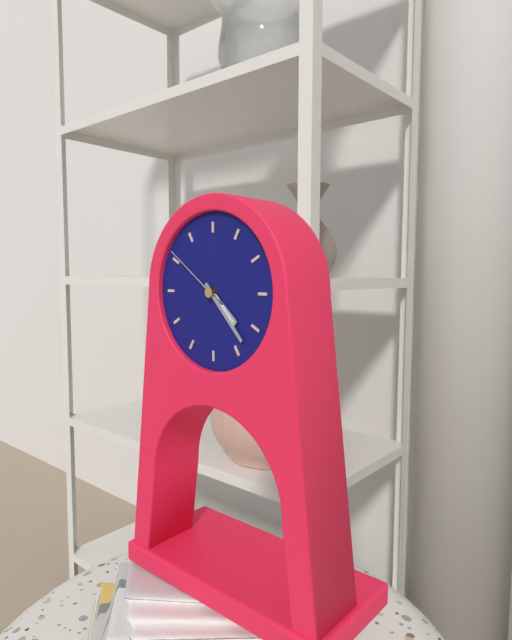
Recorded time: **4:23:51**
